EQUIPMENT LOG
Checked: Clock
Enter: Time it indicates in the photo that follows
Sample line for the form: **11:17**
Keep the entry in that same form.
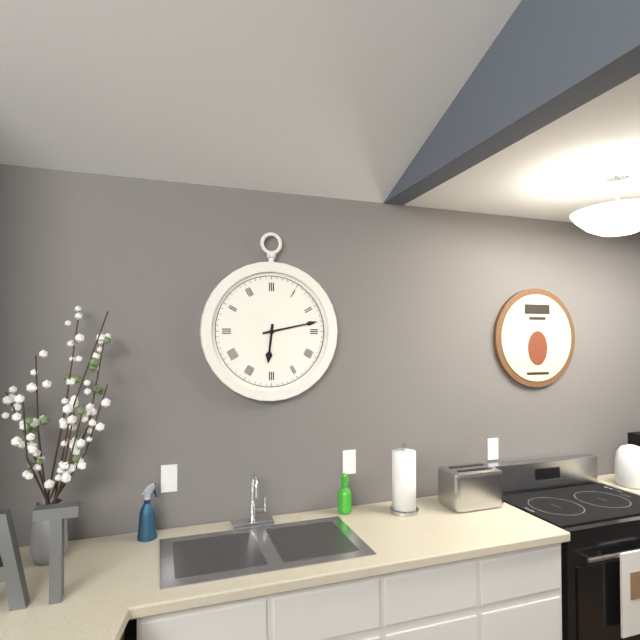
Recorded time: **6:13**
